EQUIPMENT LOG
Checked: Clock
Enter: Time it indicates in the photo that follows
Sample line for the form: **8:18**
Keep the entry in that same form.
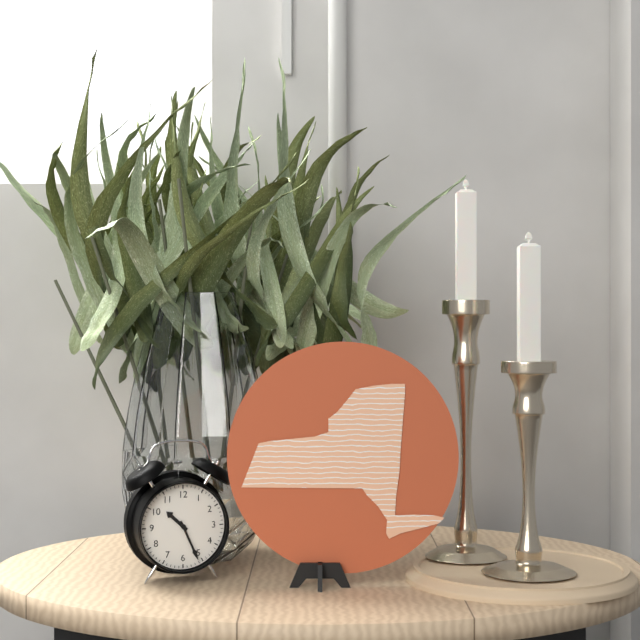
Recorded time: **10:26**
